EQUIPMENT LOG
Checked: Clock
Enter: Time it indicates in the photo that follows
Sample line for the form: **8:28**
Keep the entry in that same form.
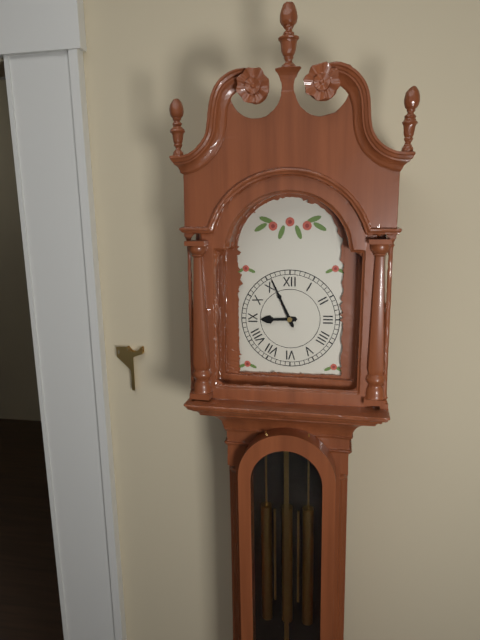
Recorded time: **8:56**
